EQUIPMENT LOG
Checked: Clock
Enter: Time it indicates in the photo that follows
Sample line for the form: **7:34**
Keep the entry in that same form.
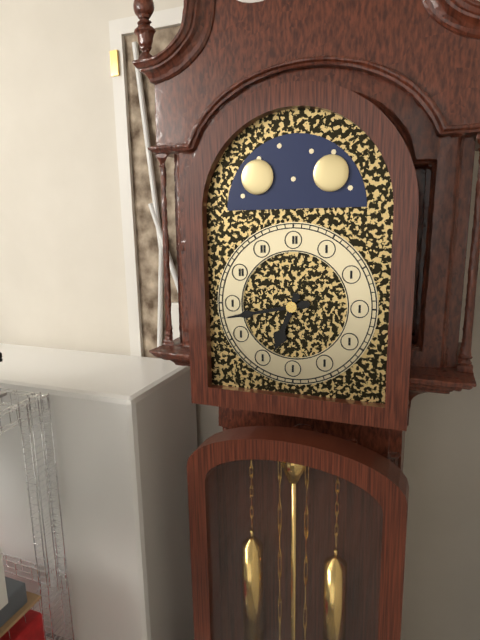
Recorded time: **6:43**
